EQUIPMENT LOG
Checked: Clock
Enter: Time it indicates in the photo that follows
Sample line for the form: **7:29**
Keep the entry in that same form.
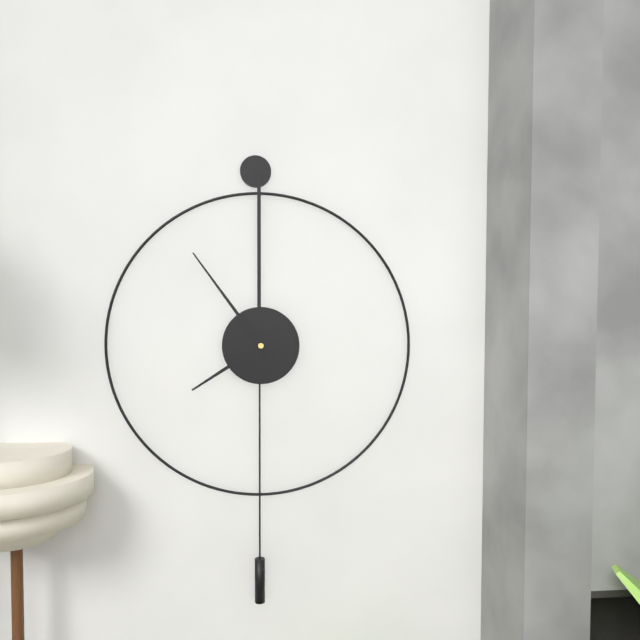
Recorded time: **7:54**
